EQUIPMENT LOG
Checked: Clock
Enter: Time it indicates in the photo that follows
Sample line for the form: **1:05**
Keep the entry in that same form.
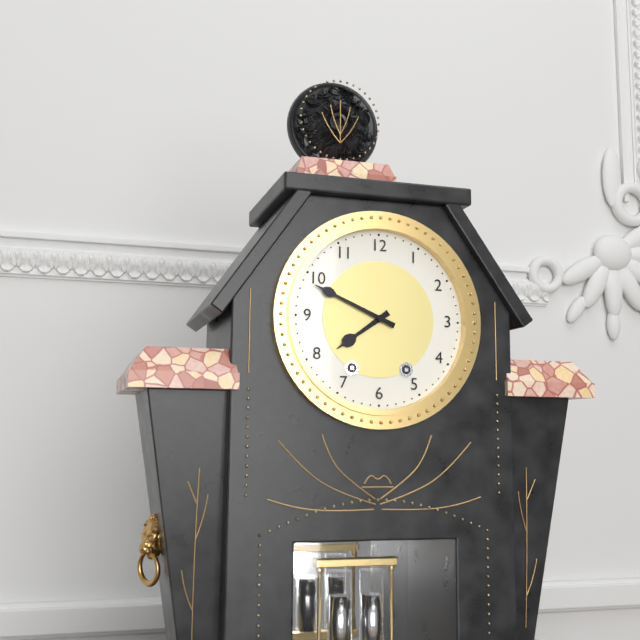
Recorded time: **7:49**
